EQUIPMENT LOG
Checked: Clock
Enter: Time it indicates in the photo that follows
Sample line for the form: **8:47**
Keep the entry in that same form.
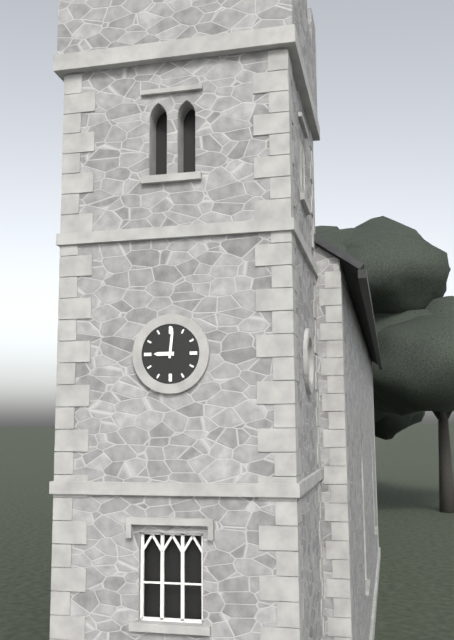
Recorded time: **9:01**
